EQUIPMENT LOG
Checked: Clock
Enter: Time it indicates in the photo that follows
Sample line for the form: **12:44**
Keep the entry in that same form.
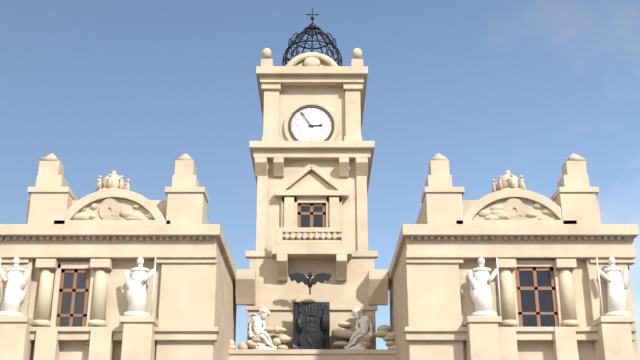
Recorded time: **2:54**
